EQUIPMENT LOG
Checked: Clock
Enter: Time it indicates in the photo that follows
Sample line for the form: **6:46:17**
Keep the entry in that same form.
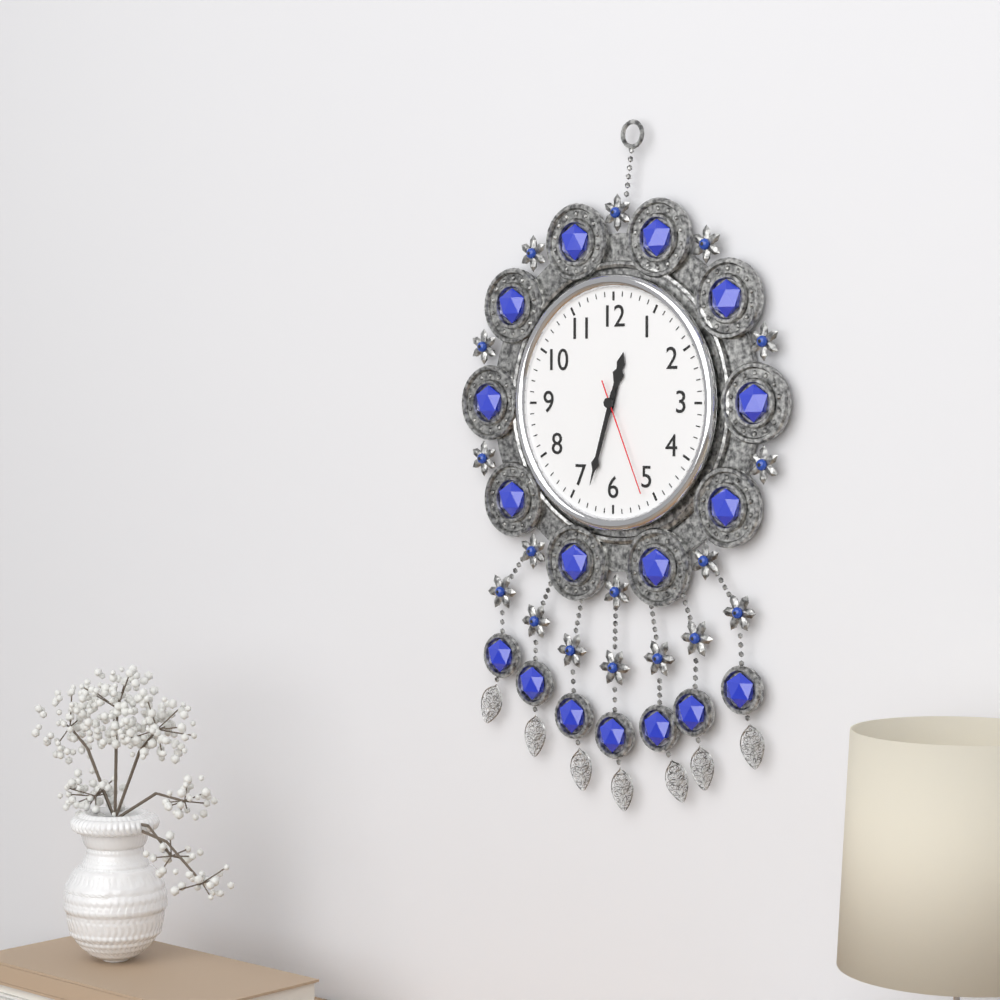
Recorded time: **12:33:26**
